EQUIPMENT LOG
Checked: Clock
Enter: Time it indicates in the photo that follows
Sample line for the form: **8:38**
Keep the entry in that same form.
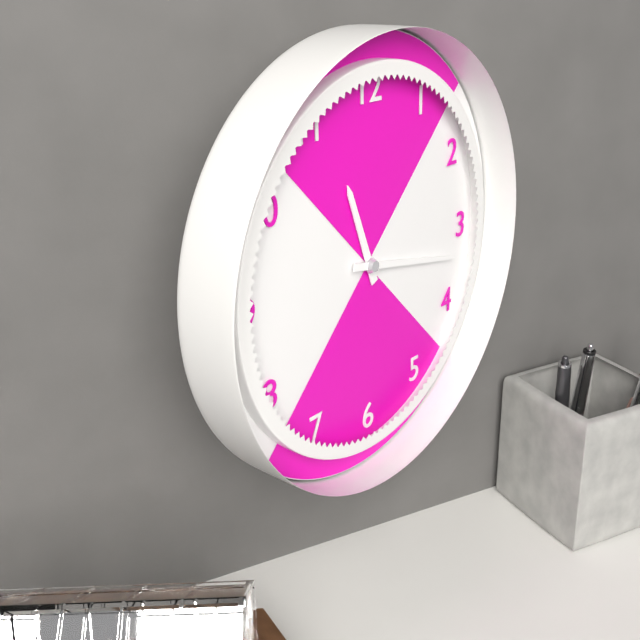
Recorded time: **11:17**
